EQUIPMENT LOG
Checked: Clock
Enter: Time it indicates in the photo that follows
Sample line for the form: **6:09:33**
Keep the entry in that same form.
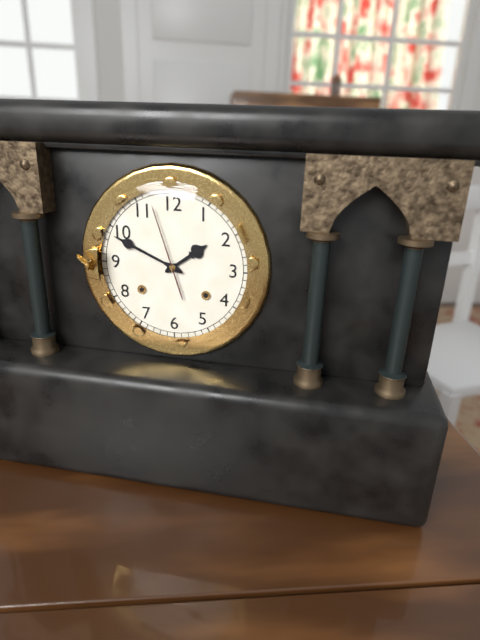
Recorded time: **1:49:57**
